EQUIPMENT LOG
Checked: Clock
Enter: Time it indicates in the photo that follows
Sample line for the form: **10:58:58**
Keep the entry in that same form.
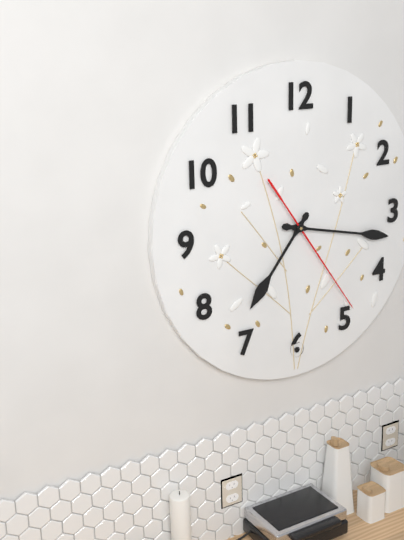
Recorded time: **7:17:24**
